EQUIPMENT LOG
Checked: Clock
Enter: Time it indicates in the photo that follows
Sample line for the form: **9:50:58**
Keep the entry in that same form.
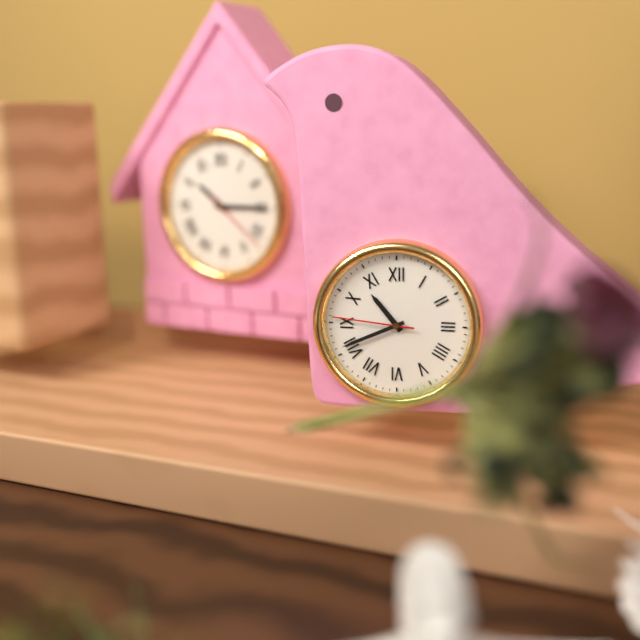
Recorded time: **10:41:46**
